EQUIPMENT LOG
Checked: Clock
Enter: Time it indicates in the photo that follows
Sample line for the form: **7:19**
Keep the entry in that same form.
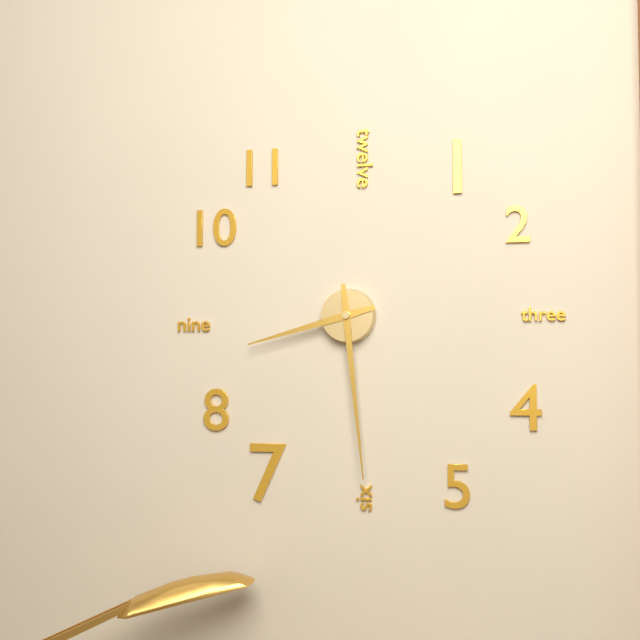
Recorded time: **8:29**
